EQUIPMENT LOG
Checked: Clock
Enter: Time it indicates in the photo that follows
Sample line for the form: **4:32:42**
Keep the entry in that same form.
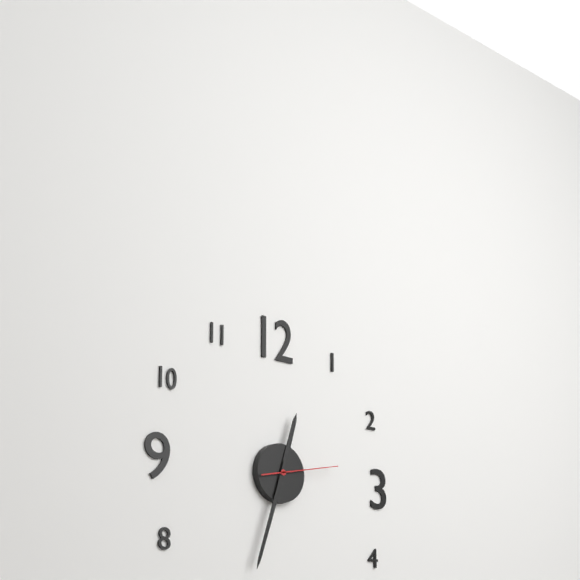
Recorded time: **12:33:13**
